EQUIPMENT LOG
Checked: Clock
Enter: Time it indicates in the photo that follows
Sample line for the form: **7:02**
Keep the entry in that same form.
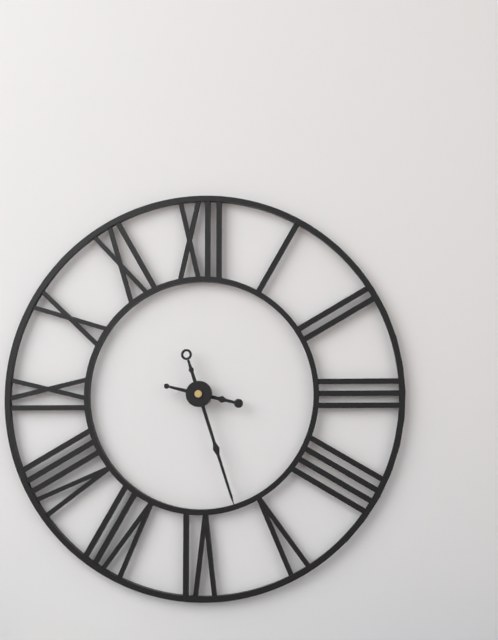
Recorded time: **3:27**
